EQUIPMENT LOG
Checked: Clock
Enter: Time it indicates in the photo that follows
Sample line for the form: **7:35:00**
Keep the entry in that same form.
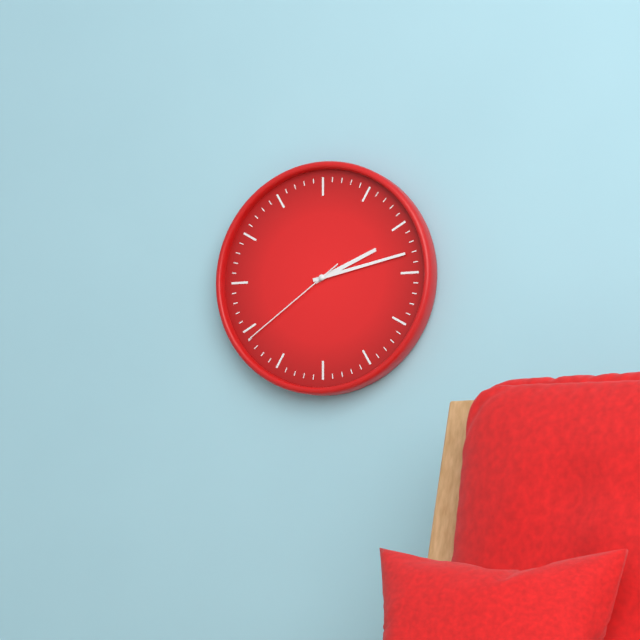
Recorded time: **2:13:39**
